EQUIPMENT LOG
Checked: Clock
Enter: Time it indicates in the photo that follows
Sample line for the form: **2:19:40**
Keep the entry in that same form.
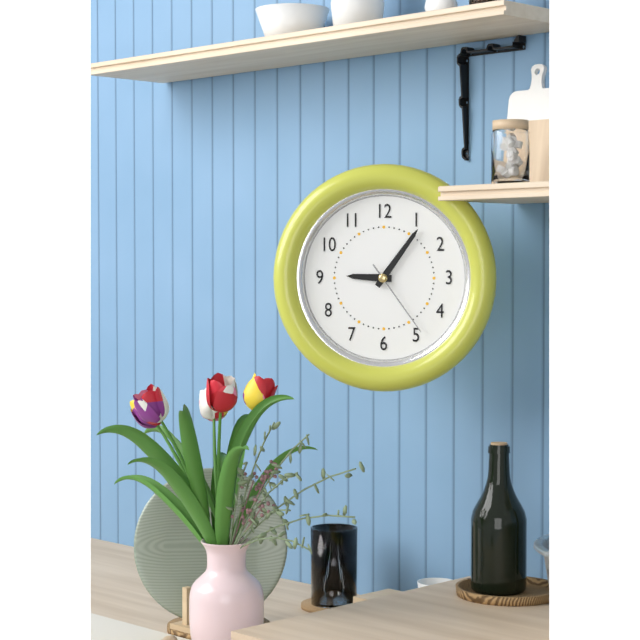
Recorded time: **9:06:24**
